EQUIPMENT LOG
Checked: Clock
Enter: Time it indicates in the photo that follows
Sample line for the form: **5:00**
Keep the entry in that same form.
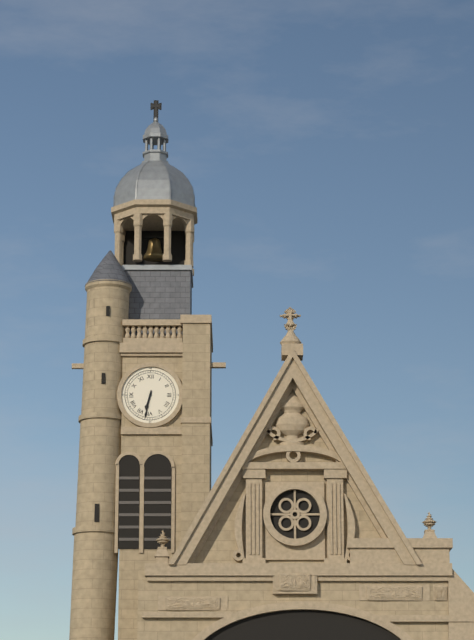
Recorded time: **6:32**
